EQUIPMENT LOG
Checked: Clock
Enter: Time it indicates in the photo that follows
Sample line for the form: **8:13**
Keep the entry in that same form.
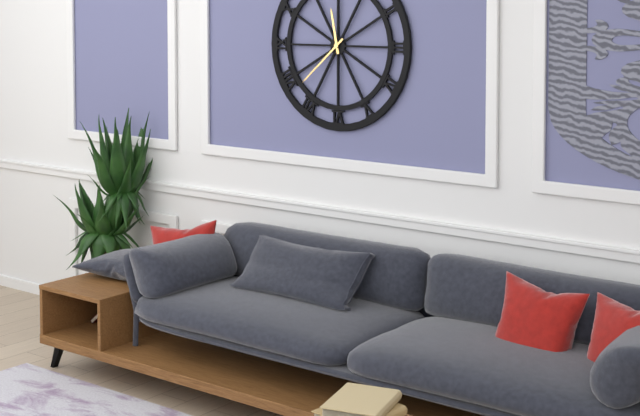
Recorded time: **11:38**
